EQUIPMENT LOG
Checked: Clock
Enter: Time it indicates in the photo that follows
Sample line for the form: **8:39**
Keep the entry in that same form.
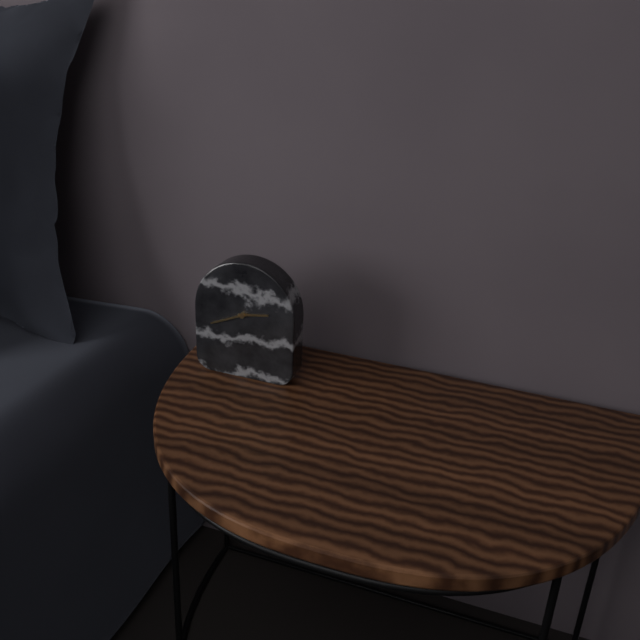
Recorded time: **2:41**
